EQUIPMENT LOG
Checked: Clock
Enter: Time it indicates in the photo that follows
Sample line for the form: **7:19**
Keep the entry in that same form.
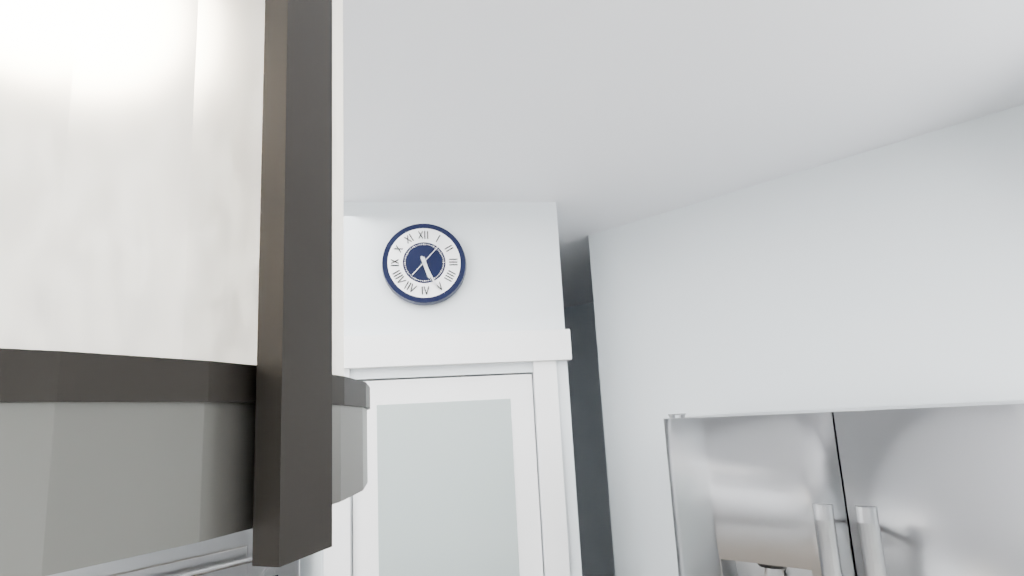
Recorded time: **5:26**
